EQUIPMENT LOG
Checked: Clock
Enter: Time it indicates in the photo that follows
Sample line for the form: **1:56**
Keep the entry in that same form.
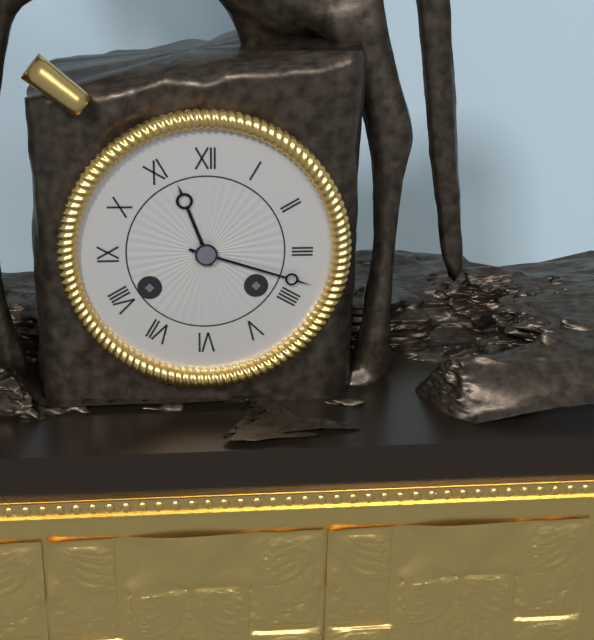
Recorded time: **11:18**
